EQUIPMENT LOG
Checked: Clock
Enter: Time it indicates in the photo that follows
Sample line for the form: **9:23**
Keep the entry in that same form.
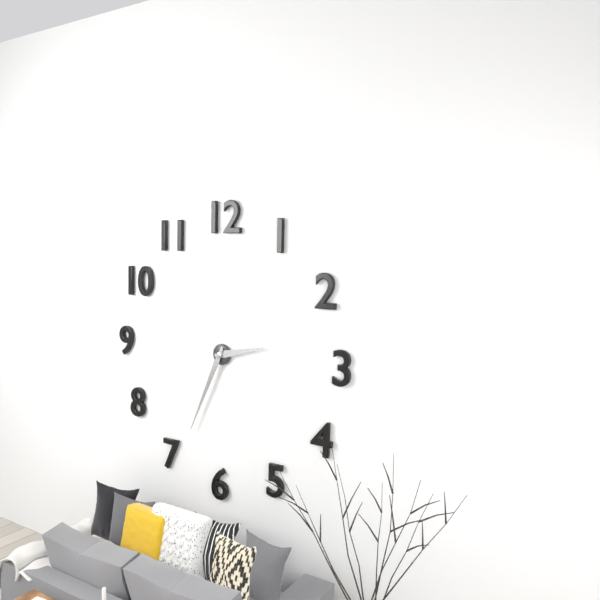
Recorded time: **2:34**
